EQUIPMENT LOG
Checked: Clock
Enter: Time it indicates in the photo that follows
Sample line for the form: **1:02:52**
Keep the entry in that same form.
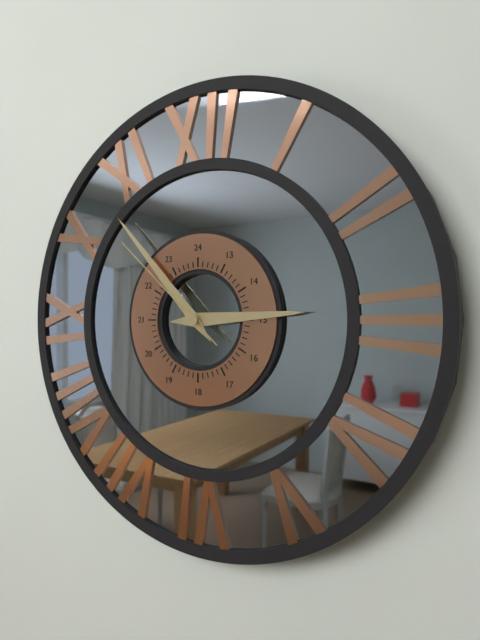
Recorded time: **2:53:52**
